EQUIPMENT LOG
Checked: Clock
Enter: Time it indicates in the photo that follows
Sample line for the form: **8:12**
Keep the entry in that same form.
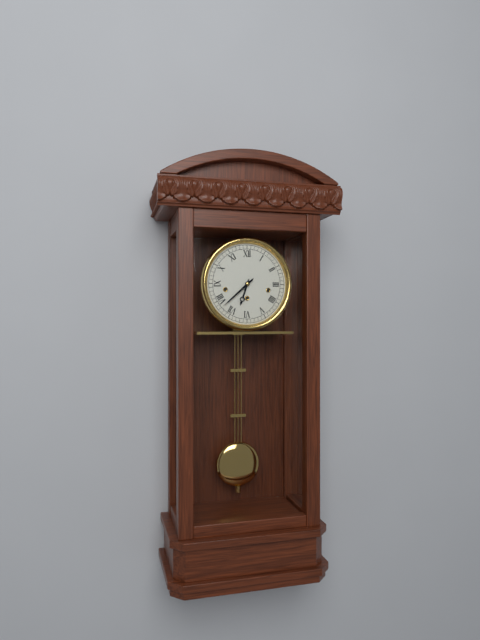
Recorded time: **6:38**
